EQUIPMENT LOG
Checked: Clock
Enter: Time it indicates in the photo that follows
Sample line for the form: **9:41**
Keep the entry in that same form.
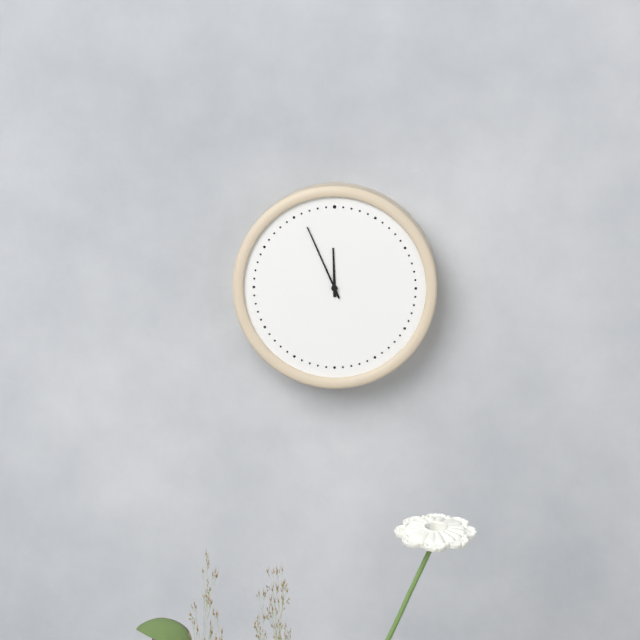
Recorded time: **11:56**
